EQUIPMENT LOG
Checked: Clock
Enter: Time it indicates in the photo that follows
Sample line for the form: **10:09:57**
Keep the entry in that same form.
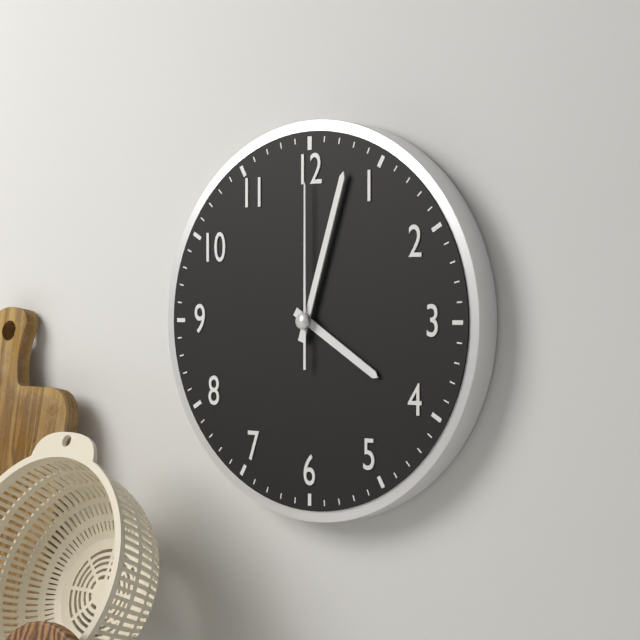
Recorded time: **4:03:00**
